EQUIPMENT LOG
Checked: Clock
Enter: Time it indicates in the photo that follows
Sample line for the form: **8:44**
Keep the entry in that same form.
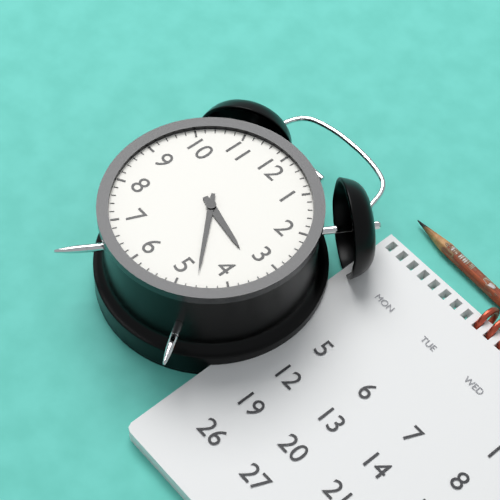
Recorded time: **3:23**
